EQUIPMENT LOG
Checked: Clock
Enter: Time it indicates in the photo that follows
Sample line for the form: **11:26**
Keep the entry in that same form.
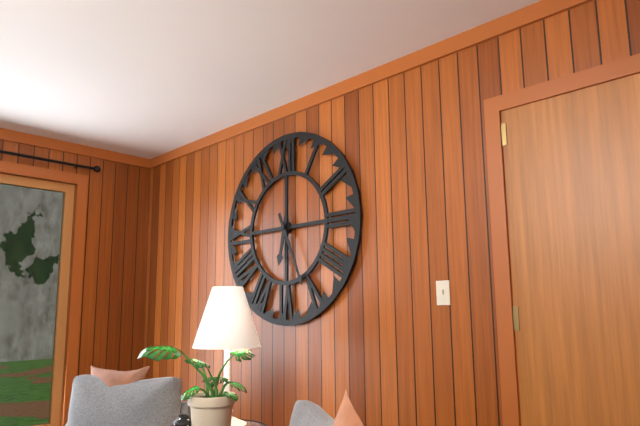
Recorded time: **6:26**
